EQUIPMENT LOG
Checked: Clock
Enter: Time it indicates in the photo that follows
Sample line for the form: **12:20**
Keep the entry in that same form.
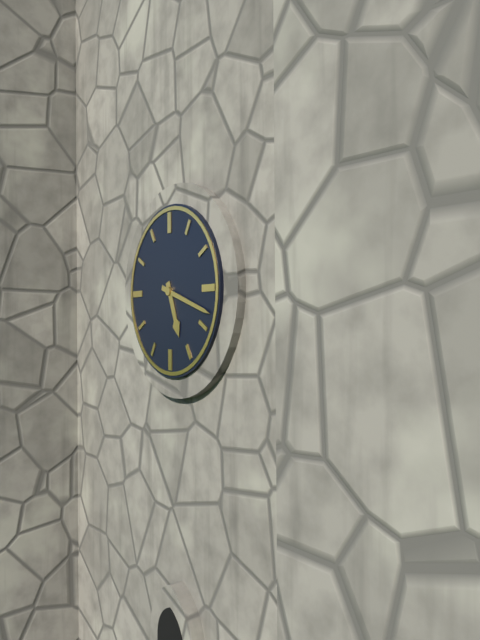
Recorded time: **5:18**
